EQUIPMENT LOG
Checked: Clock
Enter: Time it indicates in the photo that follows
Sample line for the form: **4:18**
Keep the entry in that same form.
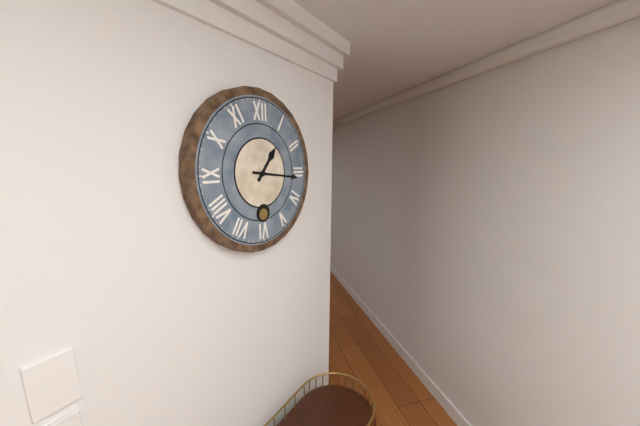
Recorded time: **1:16**
